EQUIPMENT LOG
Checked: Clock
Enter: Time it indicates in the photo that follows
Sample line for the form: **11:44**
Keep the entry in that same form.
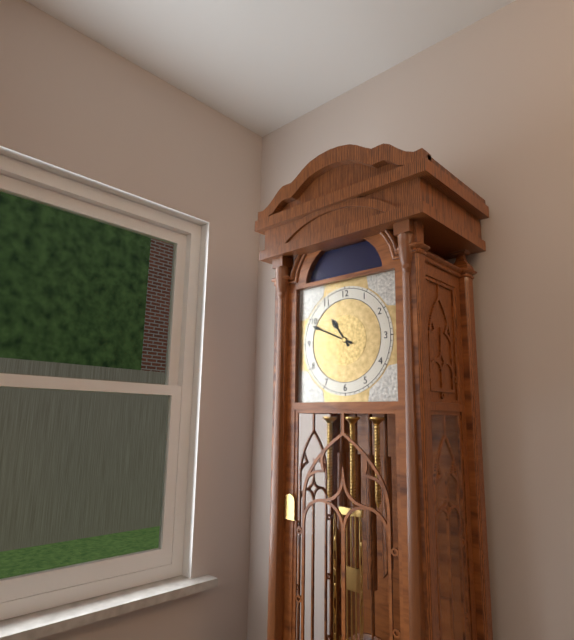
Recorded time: **10:49**
